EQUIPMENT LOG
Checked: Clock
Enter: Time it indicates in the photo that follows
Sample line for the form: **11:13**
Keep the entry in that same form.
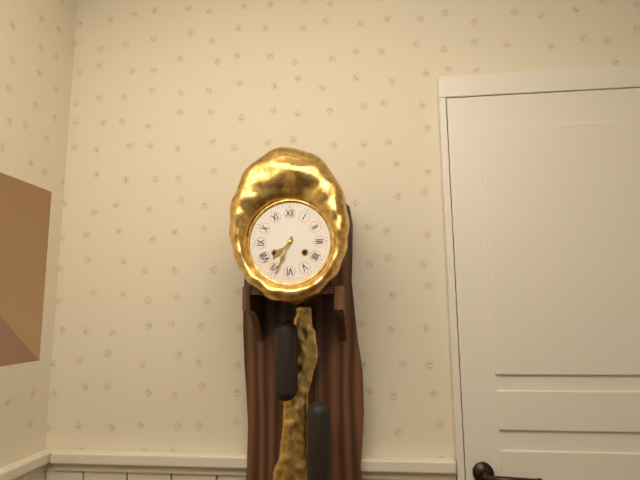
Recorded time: **7:34**
